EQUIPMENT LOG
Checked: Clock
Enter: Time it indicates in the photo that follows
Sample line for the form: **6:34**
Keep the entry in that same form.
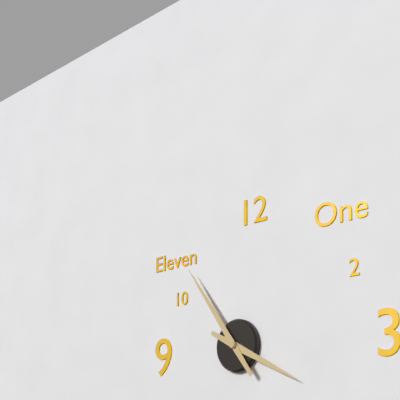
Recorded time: **3:54**
